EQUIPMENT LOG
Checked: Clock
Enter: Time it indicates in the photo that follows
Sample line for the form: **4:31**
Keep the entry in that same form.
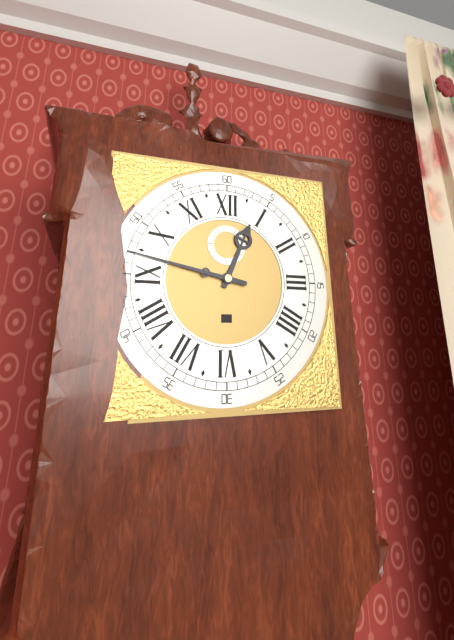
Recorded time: **12:47**
